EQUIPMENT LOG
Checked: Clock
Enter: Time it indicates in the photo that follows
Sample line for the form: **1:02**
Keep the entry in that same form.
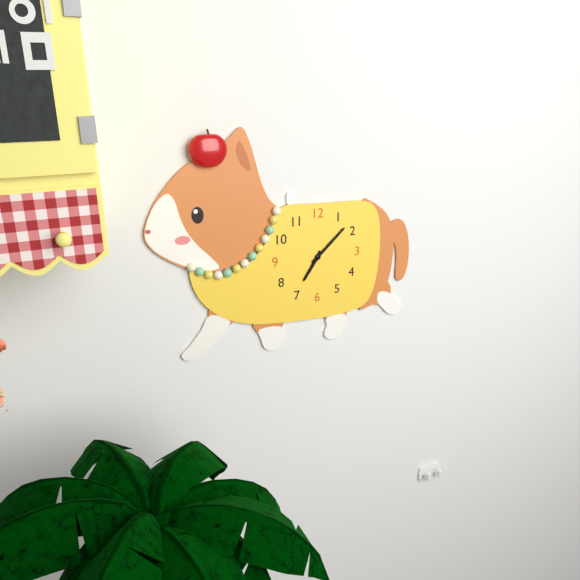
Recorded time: **7:08**
